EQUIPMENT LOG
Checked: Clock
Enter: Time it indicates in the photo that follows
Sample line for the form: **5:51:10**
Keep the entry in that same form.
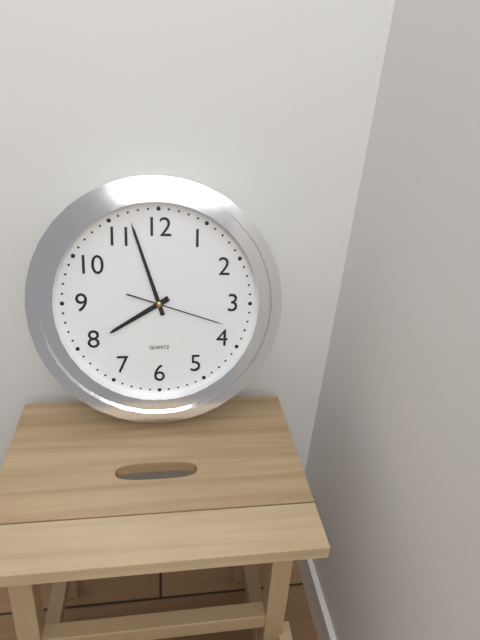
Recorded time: **7:57:18**
